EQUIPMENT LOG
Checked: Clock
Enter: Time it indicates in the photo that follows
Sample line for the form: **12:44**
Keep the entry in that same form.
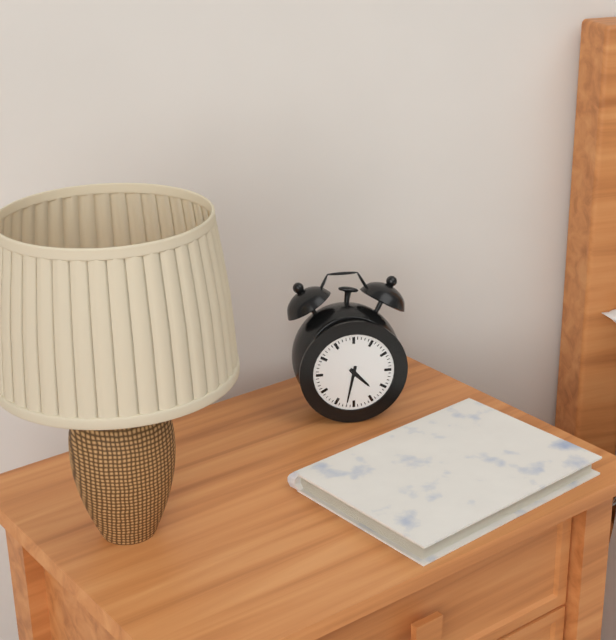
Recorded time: **4:32**
